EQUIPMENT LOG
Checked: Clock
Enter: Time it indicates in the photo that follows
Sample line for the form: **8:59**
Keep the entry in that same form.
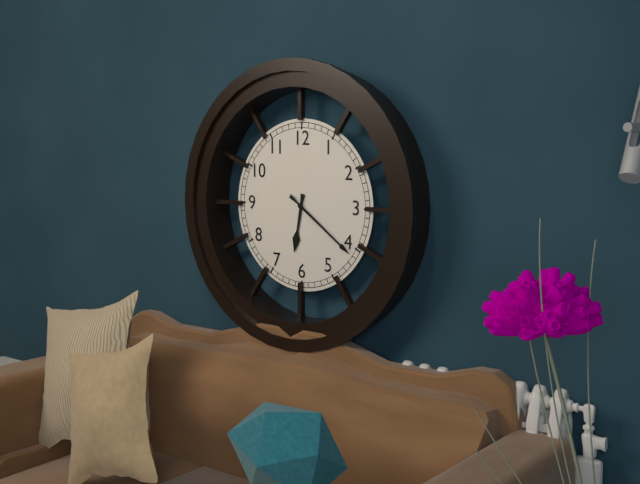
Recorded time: **6:21**
